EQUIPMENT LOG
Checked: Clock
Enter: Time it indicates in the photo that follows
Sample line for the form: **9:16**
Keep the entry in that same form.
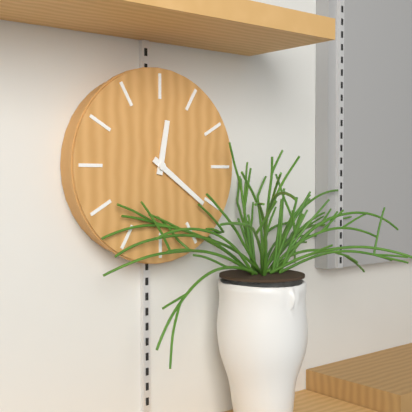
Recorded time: **12:21**
